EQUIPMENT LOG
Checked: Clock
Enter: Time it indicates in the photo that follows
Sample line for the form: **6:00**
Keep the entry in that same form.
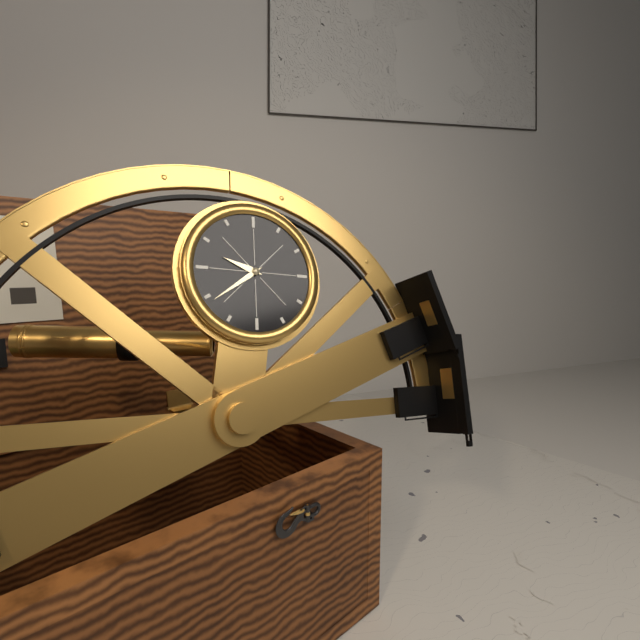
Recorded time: **9:39**
